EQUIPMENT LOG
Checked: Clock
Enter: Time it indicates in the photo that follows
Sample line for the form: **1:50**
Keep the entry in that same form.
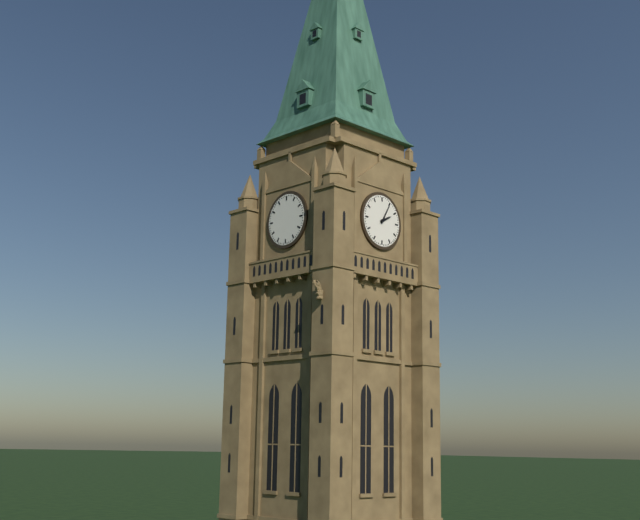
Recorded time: **2:05**
